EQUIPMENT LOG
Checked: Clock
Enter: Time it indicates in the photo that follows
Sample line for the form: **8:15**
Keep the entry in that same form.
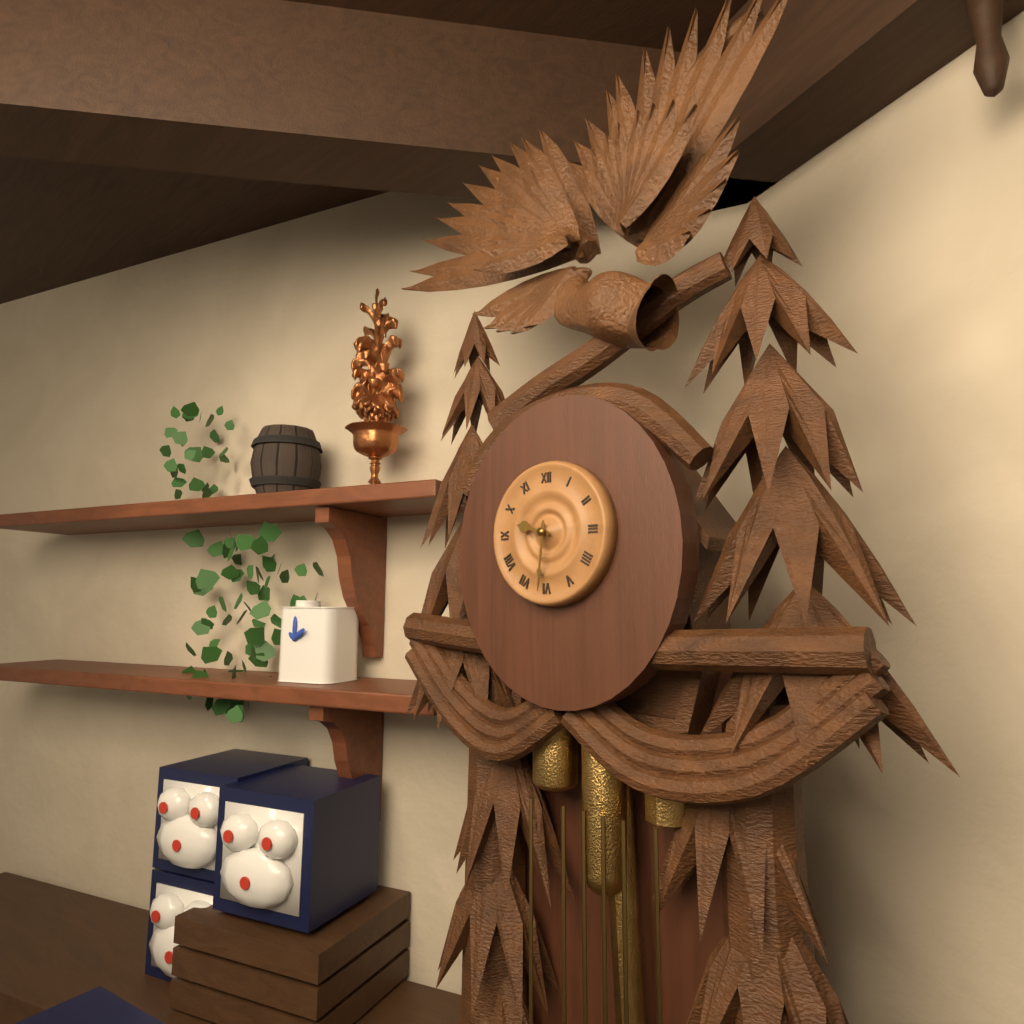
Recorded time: **9:31**
